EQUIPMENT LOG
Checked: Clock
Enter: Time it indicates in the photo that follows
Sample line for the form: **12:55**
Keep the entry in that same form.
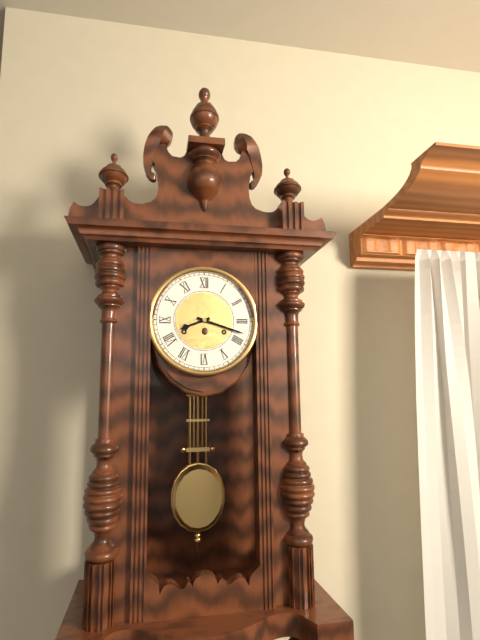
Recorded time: **8:18**
